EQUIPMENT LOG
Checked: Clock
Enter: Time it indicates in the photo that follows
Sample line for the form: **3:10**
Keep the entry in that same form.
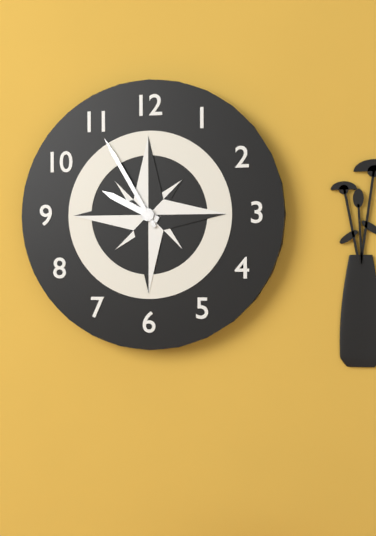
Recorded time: **9:55**
